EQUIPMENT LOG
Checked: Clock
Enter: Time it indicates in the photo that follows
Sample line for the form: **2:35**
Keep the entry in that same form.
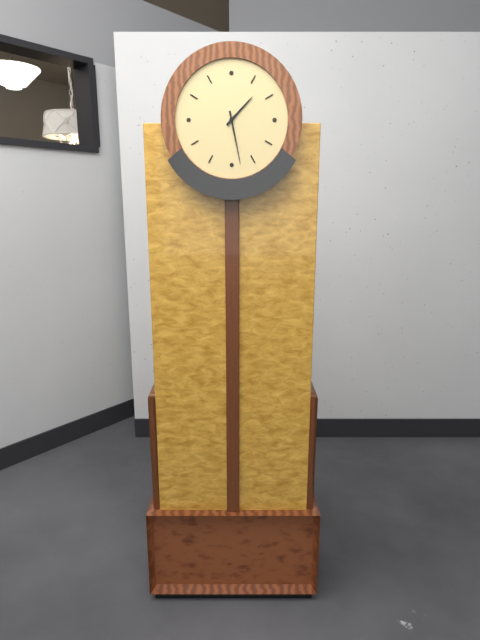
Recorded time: **1:28**
